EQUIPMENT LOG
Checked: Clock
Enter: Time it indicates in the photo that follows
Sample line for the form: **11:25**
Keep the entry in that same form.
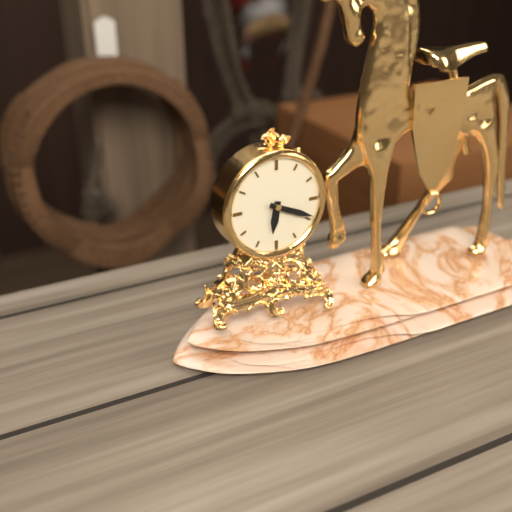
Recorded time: **6:19**
